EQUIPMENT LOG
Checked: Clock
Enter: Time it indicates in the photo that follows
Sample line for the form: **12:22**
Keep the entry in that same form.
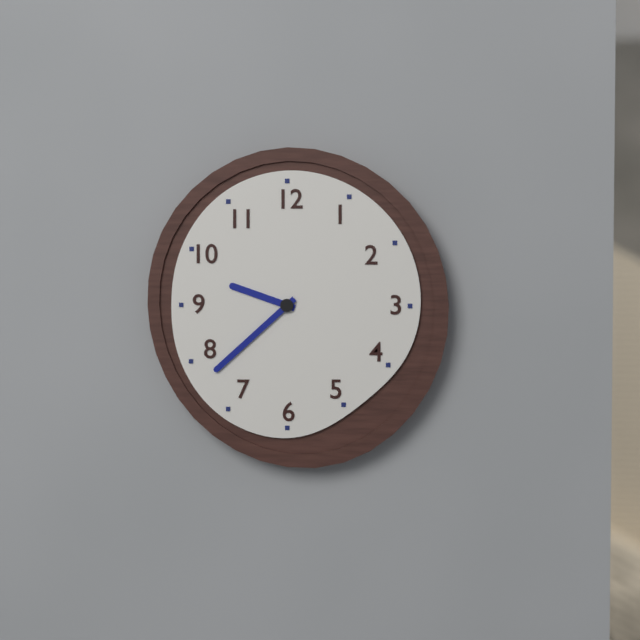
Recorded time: **9:38**
